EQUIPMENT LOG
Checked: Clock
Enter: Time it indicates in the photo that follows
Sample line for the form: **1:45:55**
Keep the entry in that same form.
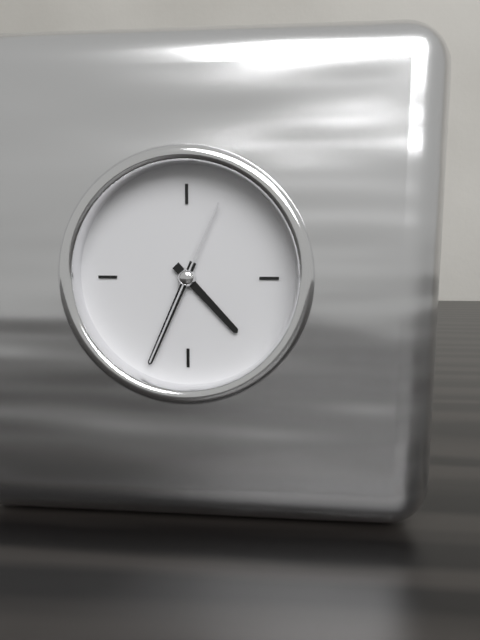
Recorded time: **4:34:34**
